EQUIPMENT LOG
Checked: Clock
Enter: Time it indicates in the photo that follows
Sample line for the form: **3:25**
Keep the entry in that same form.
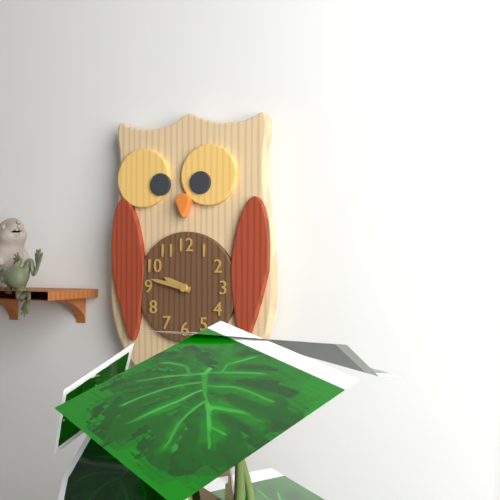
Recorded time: **9:47**
